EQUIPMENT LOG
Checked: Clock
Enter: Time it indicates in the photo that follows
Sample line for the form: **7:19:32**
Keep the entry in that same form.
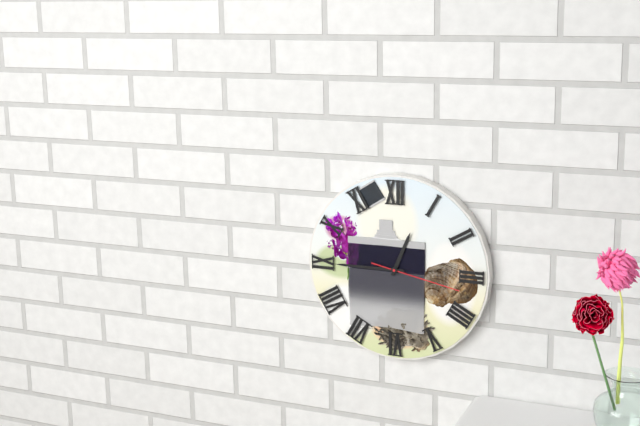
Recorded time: **12:45:17**
